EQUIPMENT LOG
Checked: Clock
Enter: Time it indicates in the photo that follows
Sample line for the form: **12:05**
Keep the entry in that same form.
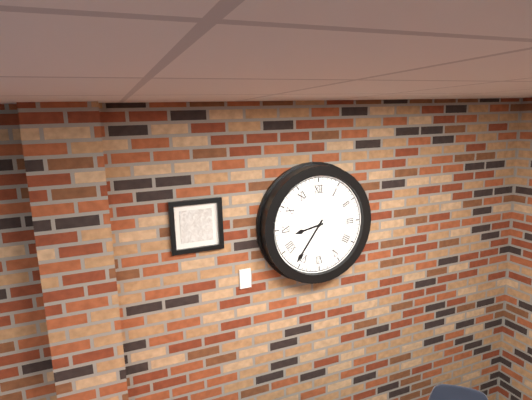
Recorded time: **8:36**
